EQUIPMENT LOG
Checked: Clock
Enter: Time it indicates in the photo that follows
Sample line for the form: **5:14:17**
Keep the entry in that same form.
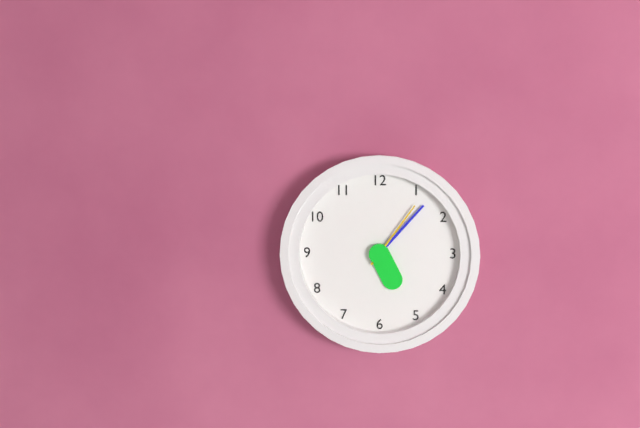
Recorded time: **5:07:06**
